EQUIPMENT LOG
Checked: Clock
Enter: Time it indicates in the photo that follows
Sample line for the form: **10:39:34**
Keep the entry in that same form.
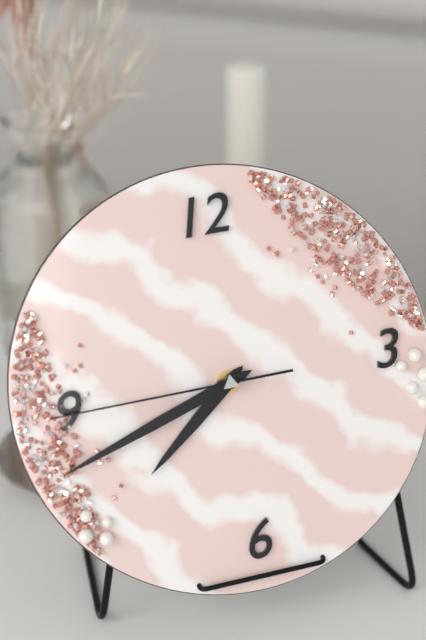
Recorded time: **7:42:45**
